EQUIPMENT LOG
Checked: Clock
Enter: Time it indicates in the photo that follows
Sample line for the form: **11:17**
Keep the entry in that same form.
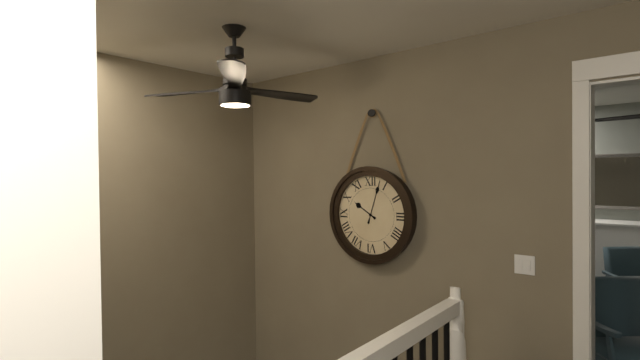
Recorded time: **10:03**
